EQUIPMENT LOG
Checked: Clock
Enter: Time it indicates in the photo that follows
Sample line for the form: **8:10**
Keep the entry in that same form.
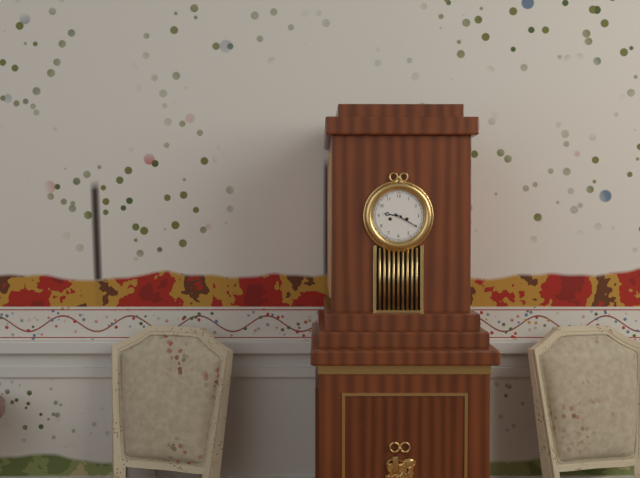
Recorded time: **9:20**
